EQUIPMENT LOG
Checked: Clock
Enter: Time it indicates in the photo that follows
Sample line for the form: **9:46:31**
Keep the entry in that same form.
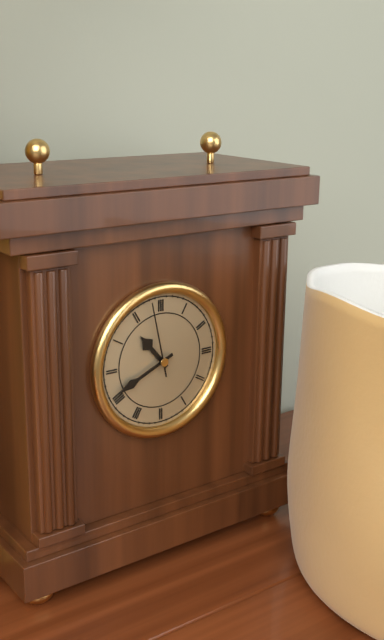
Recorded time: **10:41:58**
